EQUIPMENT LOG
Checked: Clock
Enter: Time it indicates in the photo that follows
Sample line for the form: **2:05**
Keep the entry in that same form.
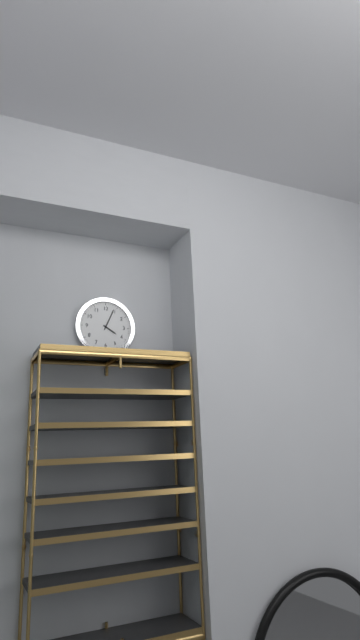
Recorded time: **4:04**
